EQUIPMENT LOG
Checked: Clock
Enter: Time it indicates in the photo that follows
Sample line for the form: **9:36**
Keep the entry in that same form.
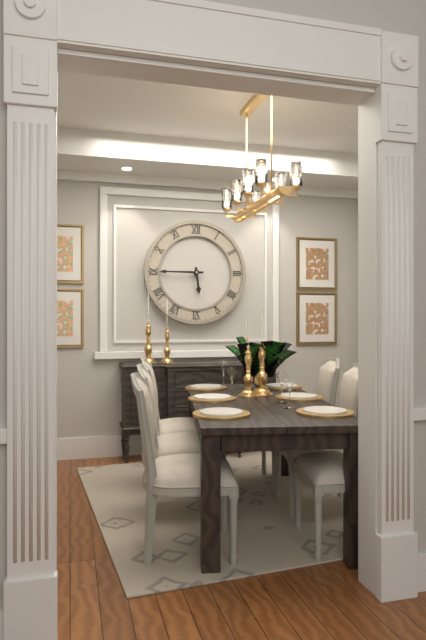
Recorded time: **5:45**
